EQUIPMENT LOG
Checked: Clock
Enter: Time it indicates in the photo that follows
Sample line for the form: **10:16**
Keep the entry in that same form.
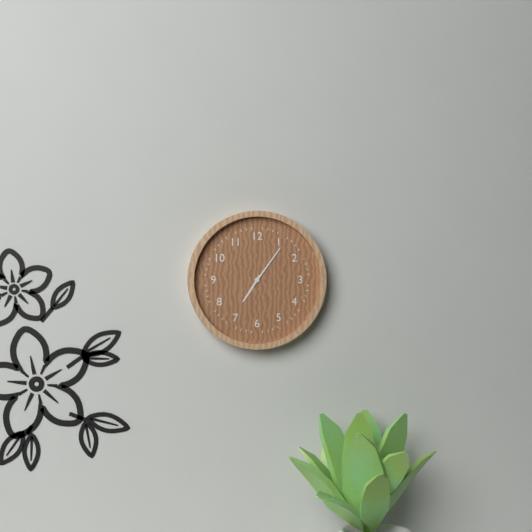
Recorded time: **7:06**
